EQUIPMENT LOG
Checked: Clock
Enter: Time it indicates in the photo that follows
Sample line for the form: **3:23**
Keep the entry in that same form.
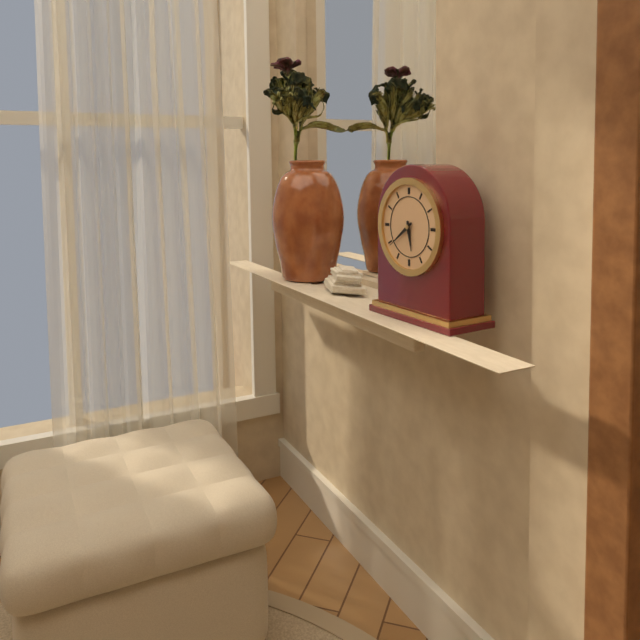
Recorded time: **5:39**
